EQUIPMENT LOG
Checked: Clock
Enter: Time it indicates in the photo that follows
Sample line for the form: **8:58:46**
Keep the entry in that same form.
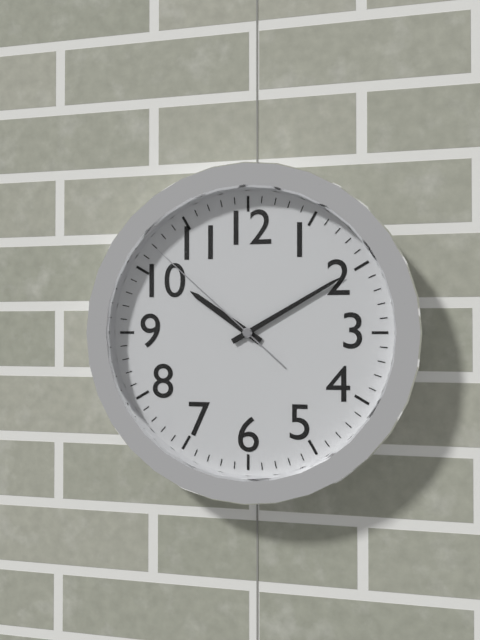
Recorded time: **10:10:52**
